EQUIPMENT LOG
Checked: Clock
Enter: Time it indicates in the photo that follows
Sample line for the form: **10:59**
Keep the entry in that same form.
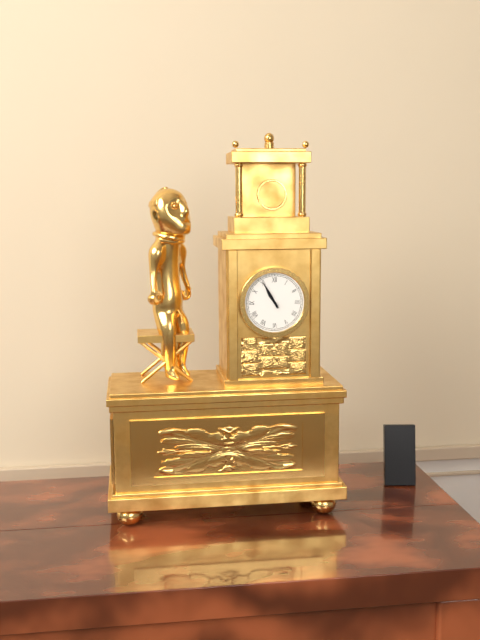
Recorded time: **10:55**
